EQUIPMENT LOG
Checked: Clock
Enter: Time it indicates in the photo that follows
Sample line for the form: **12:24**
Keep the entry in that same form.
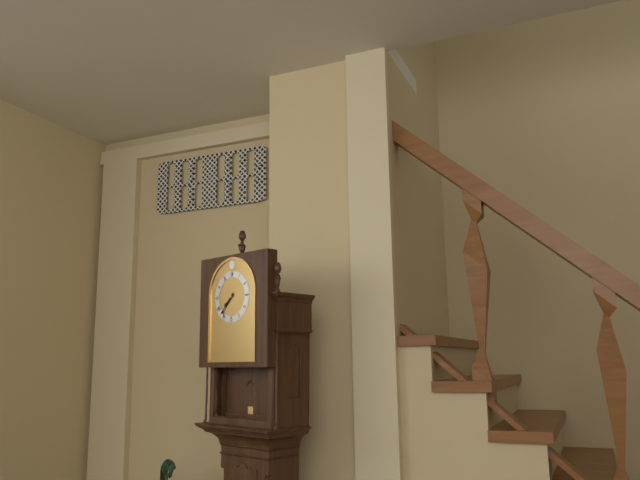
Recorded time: **7:37**
